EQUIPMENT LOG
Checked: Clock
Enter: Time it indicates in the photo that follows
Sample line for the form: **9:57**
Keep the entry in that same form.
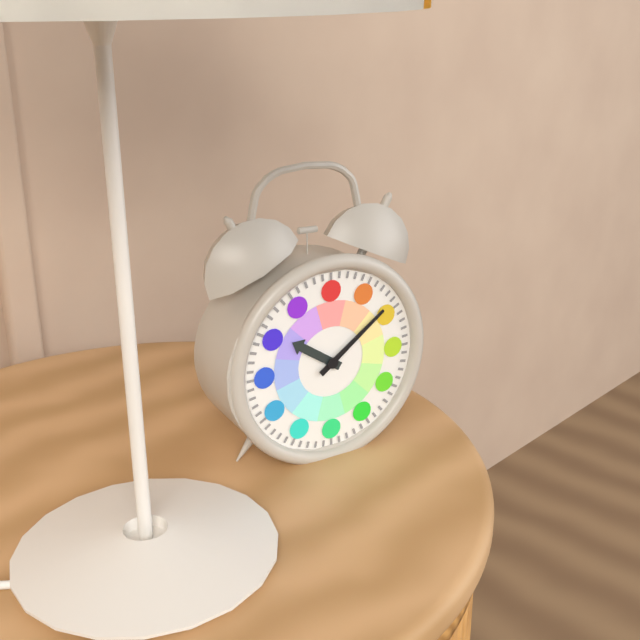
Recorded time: **10:09**
